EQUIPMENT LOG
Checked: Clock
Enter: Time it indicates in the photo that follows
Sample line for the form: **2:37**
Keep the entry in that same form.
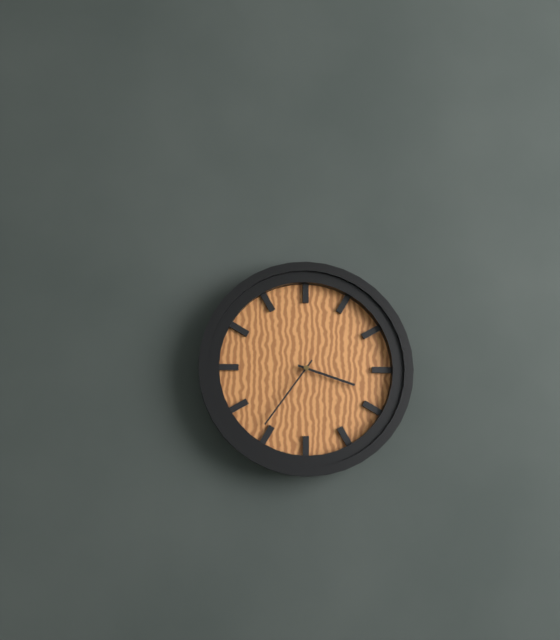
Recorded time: **3:36**
